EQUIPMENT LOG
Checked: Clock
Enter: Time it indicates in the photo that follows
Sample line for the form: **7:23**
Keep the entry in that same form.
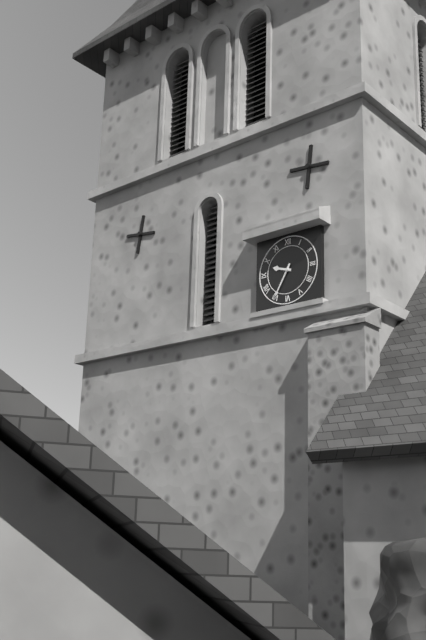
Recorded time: **9:35**
